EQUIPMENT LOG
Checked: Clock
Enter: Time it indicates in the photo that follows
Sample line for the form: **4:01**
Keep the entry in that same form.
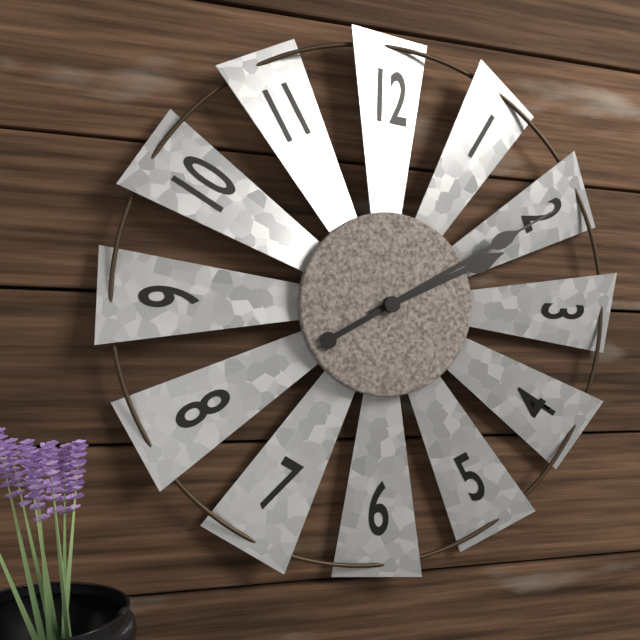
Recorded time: **2:10**
